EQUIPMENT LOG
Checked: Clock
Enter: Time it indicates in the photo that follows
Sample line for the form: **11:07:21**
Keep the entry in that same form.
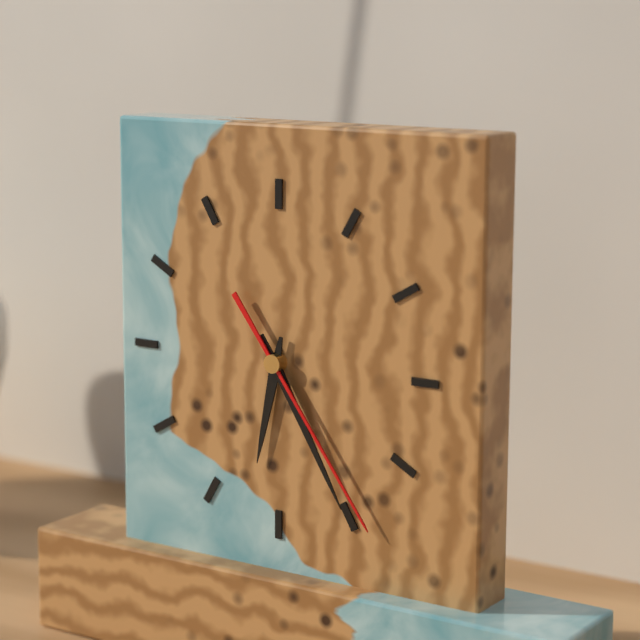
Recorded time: **6:25:24**
